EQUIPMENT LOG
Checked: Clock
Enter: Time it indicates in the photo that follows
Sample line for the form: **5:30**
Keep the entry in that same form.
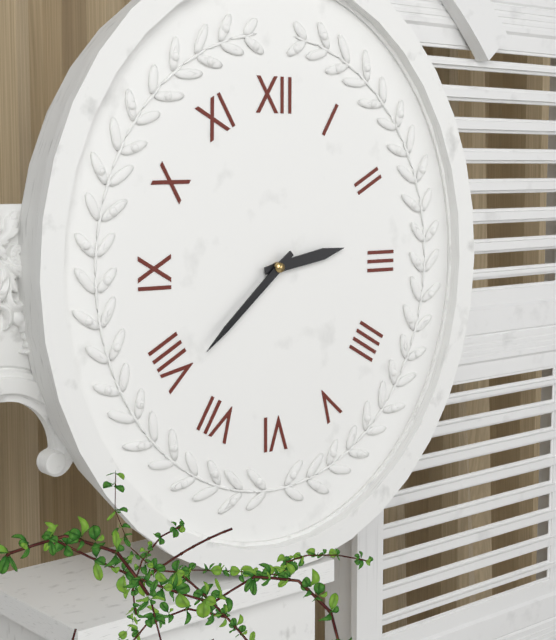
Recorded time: **2:38**
